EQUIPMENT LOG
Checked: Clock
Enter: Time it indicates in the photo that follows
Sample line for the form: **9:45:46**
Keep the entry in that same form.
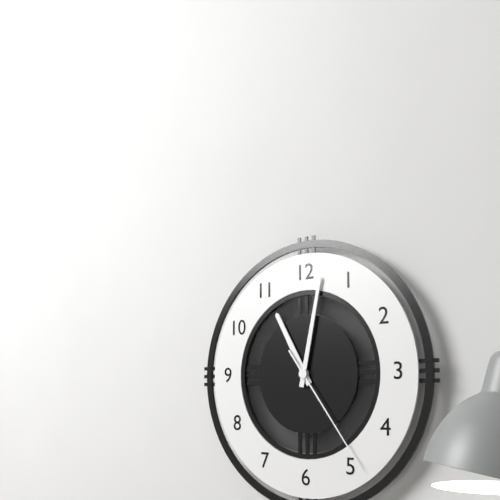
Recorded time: **11:02:24**
